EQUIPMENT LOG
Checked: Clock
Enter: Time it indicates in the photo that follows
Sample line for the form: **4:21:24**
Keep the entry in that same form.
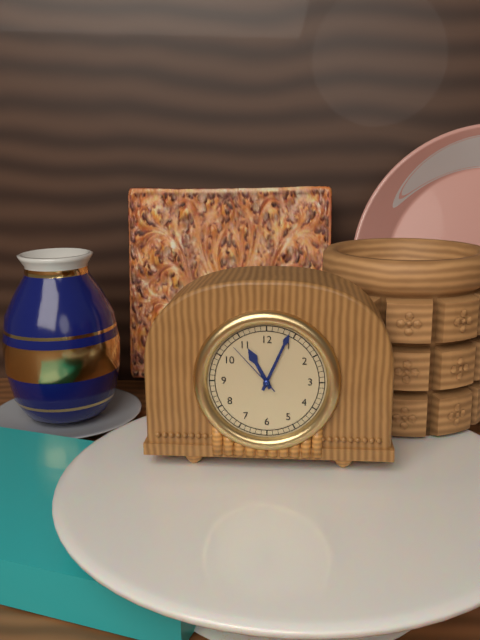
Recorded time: **11:04:53**
